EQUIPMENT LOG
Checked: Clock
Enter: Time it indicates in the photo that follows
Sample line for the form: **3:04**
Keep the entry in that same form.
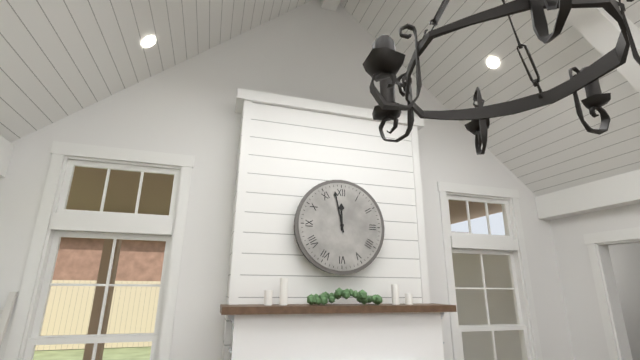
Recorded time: **11:58**
